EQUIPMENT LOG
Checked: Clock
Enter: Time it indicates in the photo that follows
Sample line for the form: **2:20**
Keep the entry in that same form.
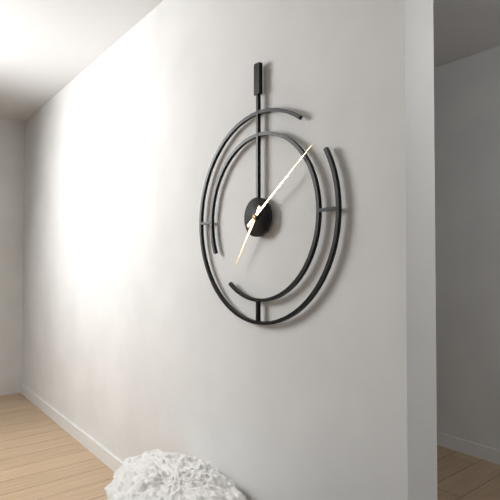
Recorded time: **7:09**
